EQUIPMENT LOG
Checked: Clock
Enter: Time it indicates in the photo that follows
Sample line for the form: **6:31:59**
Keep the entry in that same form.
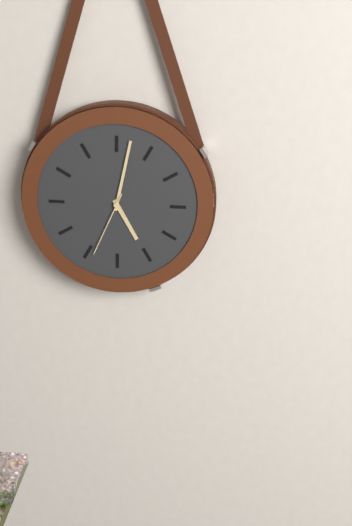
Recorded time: **5:02:34**
